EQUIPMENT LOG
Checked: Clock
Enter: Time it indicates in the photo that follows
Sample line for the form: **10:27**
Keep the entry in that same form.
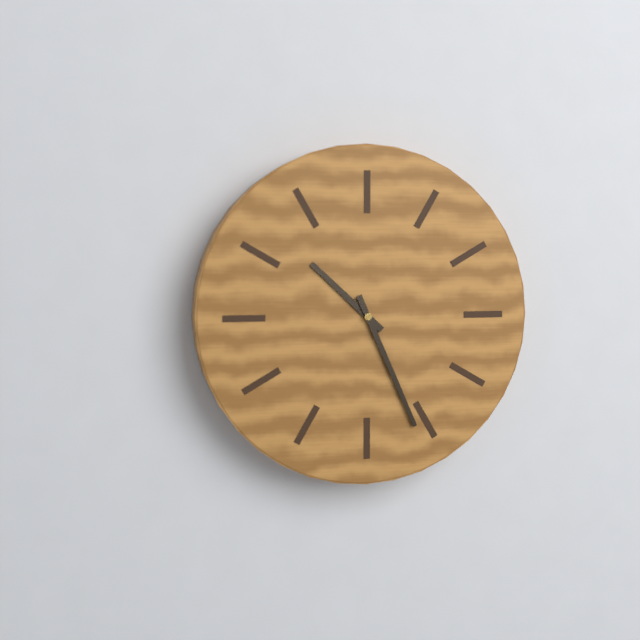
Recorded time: **10:26**
